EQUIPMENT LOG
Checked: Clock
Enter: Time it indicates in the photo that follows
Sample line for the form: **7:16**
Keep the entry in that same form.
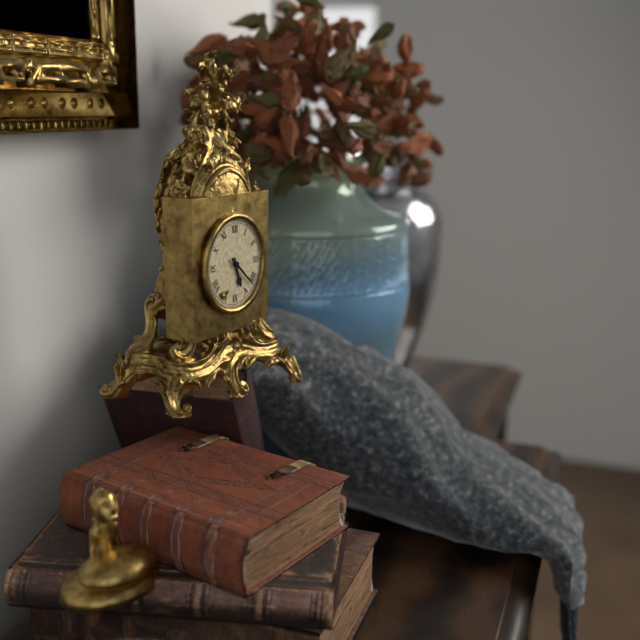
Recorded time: **5:22**
